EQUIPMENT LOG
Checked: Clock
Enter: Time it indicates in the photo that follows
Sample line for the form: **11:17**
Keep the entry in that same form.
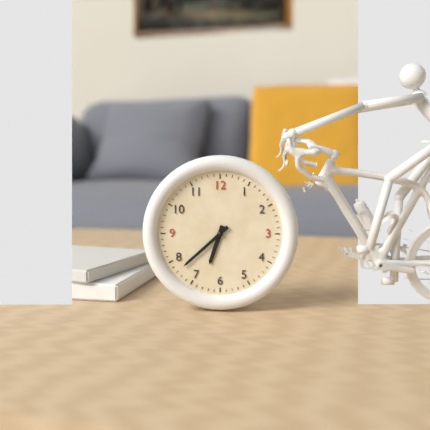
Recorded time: **6:38**
